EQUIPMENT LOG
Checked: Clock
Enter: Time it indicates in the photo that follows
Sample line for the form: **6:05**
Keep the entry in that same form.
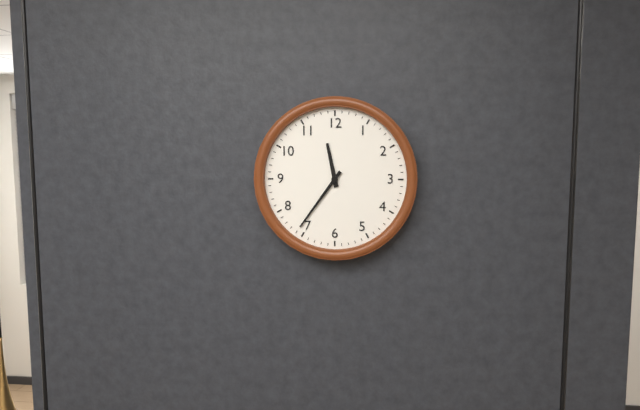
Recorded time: **11:36**
